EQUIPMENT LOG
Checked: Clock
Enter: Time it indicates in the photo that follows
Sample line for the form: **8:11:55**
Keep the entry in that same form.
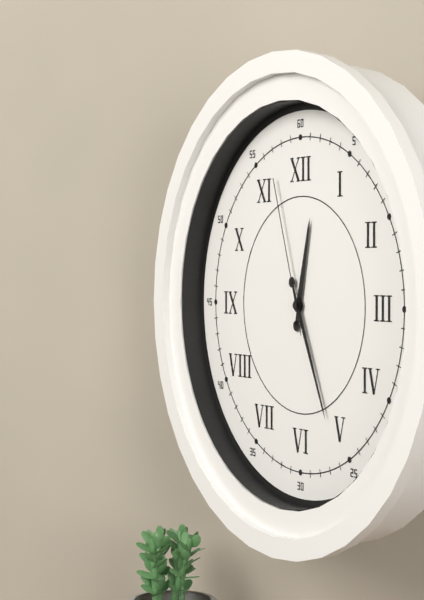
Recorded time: **12:26:57**
